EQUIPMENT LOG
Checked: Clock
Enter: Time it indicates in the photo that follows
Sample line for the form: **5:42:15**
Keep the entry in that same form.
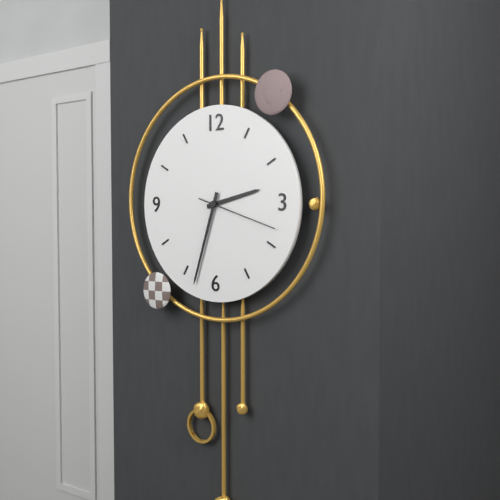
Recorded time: **2:33:18**
